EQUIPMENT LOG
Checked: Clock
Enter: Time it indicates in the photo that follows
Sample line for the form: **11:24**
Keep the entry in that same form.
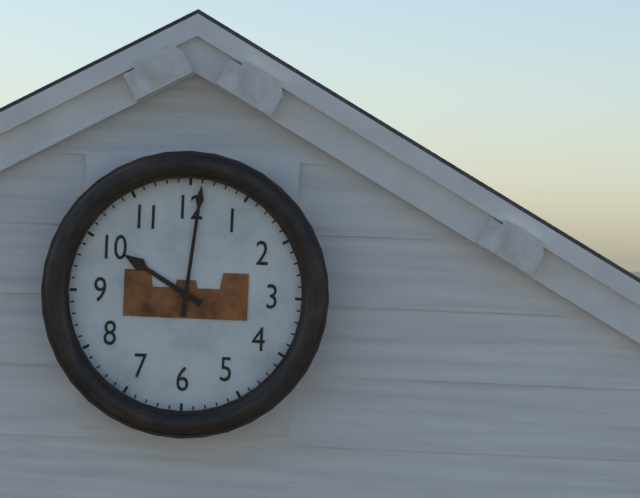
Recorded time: **10:01**
